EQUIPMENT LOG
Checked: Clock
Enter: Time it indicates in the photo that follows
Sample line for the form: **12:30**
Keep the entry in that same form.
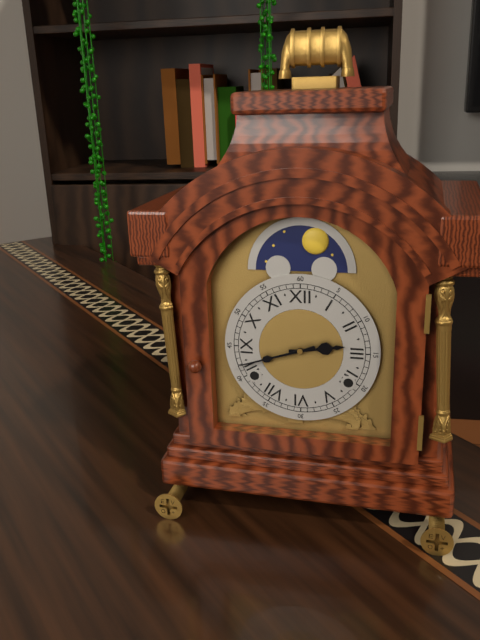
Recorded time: **2:42**
